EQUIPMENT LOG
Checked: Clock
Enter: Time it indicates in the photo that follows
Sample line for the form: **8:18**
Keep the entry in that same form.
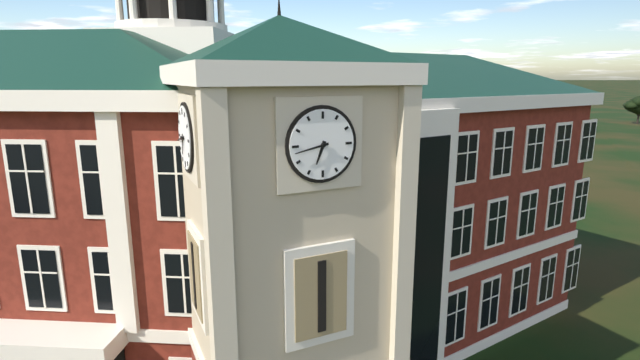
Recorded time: **6:43**
